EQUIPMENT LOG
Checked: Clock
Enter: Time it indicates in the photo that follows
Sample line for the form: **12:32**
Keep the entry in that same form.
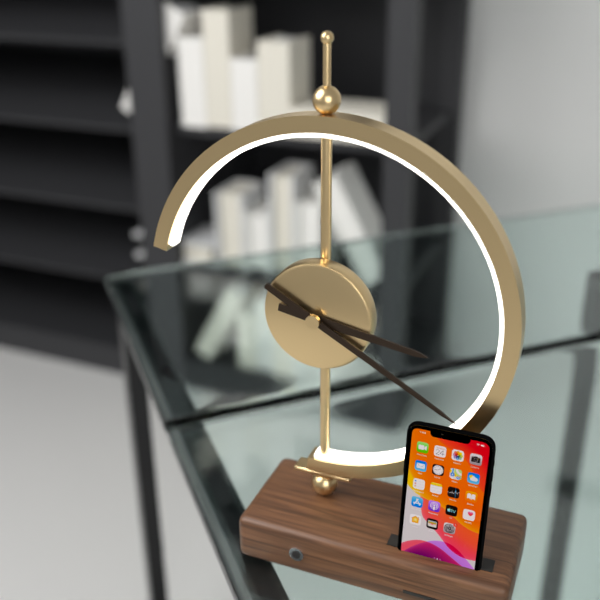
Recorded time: **3:20**
